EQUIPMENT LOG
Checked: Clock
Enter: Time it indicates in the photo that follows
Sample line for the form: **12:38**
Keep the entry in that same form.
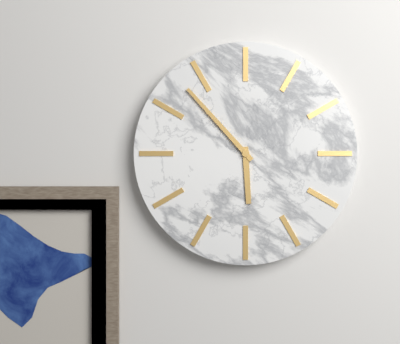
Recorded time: **5:53**
